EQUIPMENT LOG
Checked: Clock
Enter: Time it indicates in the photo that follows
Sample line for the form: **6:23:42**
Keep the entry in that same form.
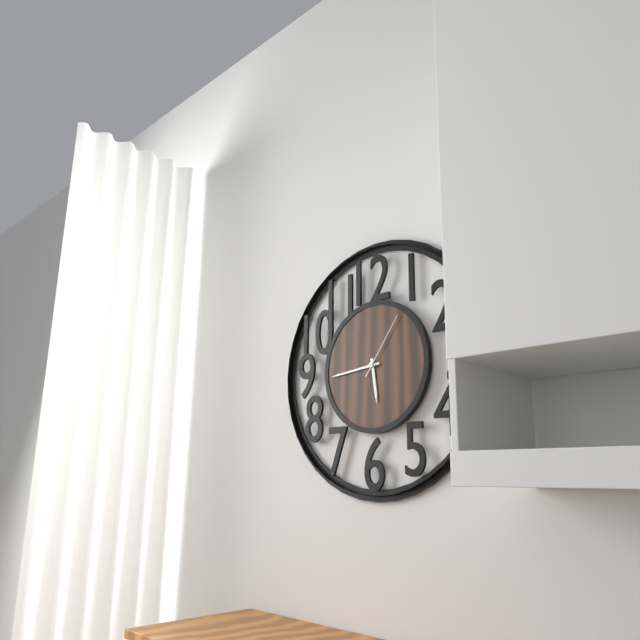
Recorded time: **5:44:06**
